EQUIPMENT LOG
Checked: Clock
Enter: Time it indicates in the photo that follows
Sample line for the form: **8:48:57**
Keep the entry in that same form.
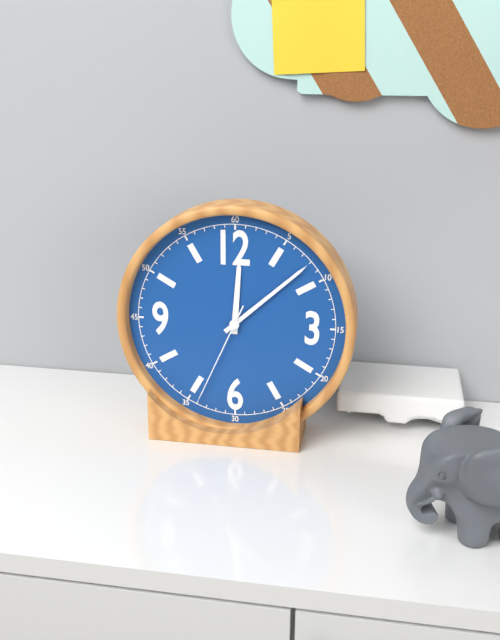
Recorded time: **12:08:34**
